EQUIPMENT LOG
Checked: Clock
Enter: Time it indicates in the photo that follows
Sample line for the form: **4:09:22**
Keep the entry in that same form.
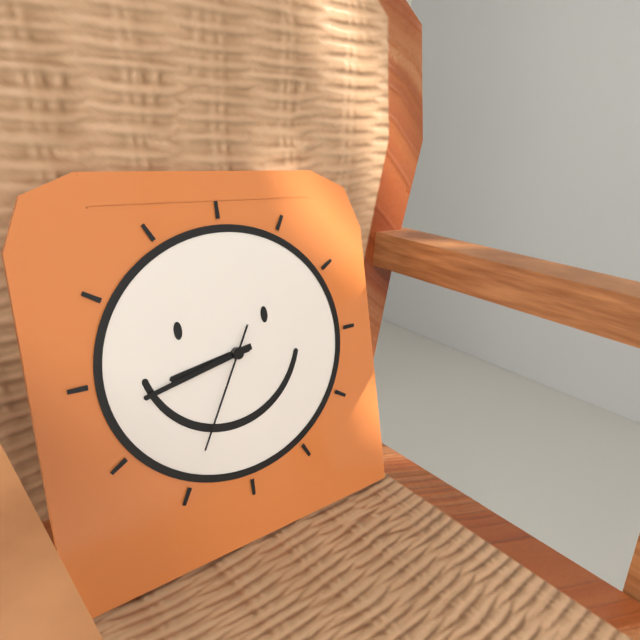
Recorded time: **8:43:35**
